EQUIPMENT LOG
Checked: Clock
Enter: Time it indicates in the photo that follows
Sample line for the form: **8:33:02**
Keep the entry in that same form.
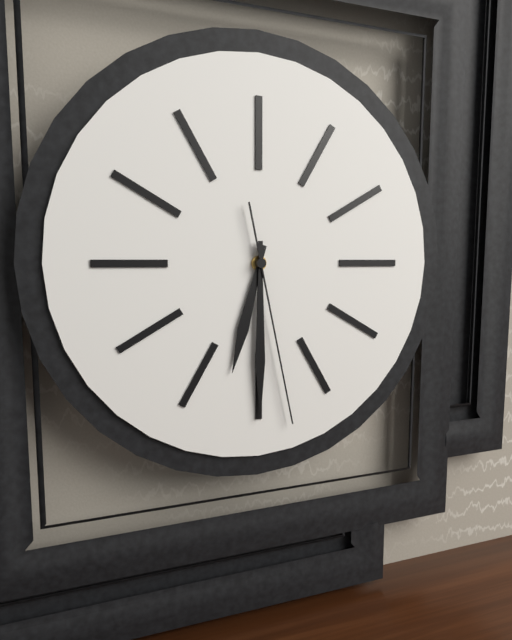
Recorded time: **6:30:28**
